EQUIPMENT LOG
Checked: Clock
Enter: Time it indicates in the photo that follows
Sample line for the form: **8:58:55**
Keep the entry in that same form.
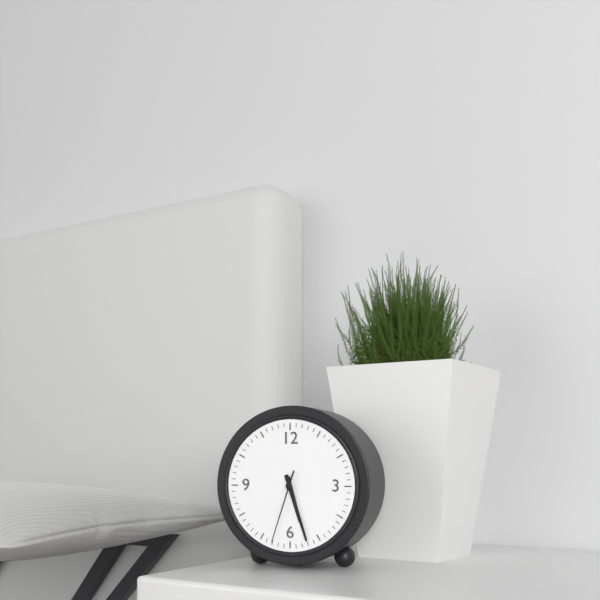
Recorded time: **5:27:33**
